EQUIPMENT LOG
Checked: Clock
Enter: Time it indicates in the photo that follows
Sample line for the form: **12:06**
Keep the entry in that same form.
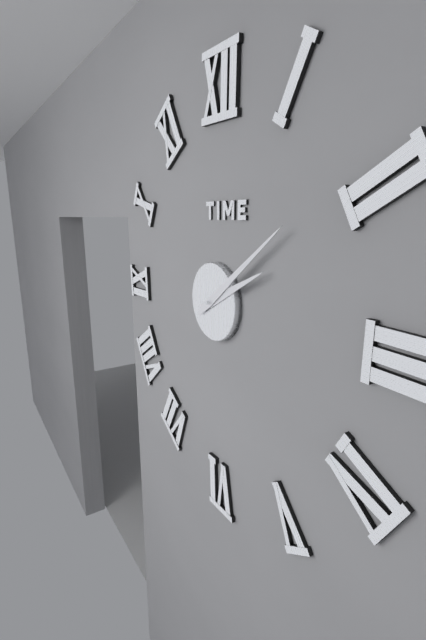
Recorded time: **2:09**
